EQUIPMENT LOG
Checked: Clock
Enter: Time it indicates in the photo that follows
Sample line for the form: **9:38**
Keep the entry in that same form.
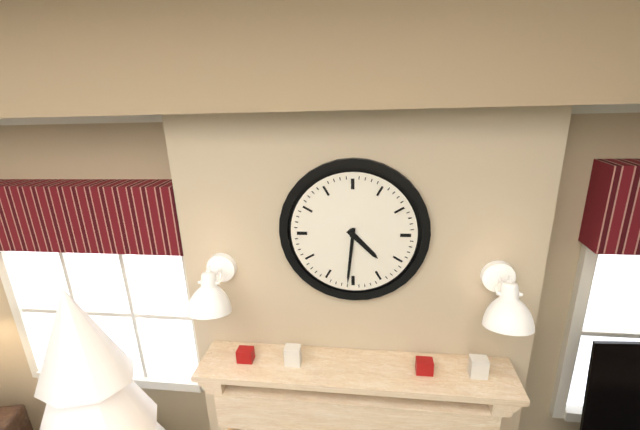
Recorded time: **4:31**
